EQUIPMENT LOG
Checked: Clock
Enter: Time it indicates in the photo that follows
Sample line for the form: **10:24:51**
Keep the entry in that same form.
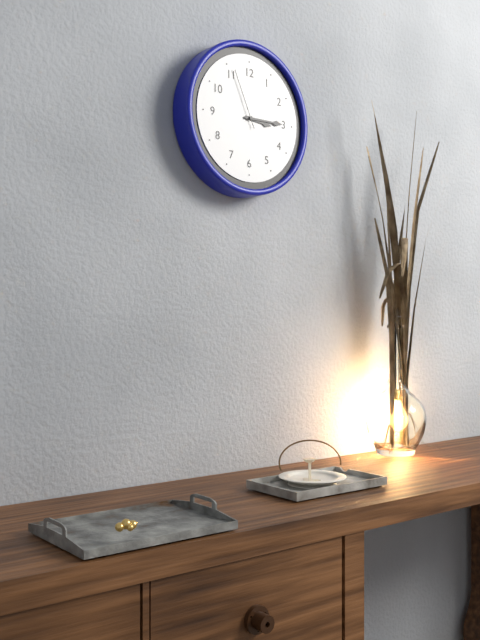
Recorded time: **3:15:56**
